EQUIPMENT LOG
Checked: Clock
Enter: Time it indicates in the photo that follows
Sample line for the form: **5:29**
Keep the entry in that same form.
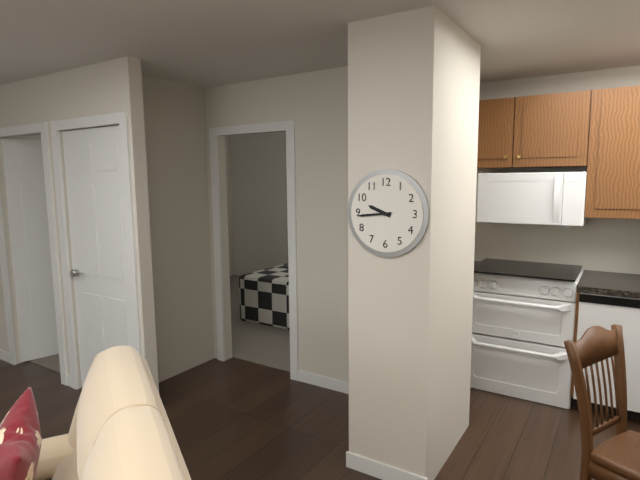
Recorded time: **9:44**
